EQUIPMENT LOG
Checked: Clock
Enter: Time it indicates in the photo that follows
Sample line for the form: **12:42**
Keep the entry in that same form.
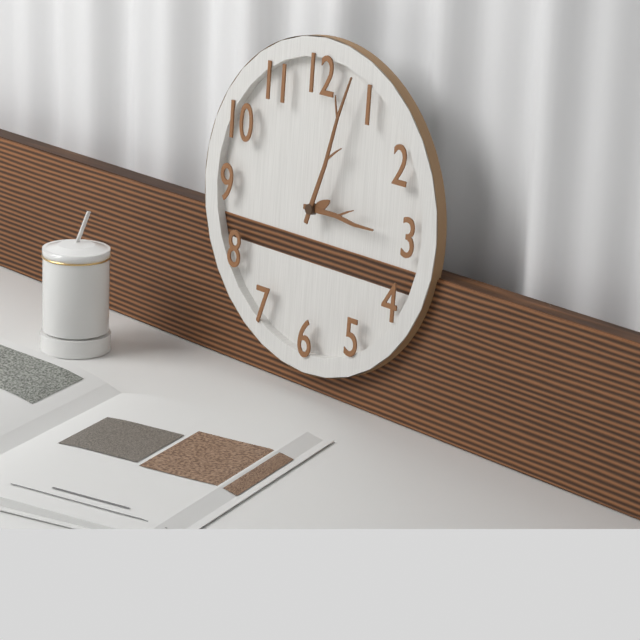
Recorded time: **3:03**
